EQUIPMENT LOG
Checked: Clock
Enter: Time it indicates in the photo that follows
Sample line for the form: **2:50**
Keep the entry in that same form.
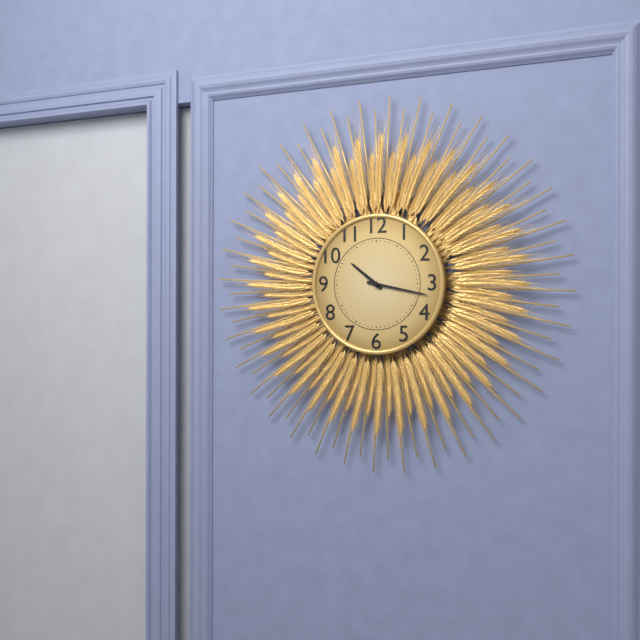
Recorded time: **10:17**
